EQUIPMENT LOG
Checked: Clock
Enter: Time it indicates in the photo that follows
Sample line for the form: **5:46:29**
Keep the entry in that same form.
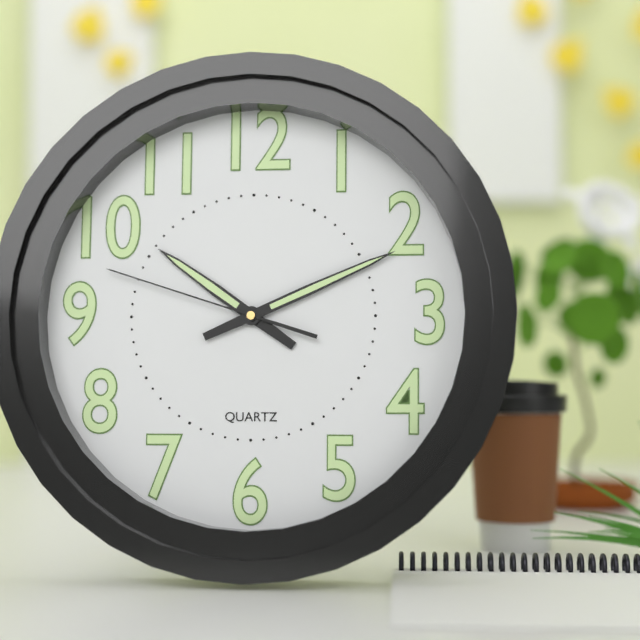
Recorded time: **10:11:48**
